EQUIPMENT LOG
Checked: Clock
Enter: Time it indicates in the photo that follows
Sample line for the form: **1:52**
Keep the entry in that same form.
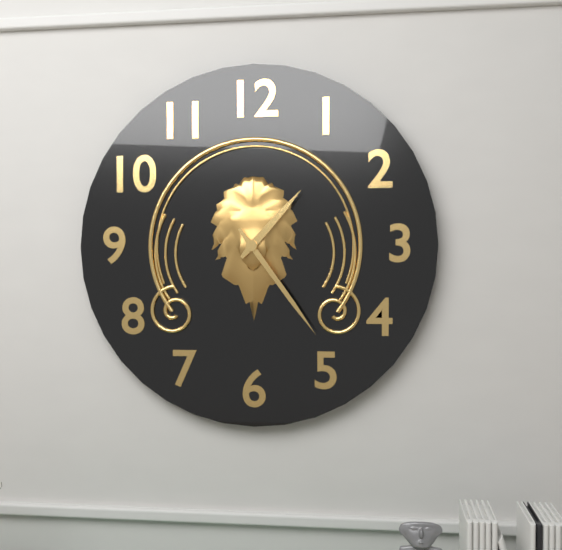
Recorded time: **1:24**
